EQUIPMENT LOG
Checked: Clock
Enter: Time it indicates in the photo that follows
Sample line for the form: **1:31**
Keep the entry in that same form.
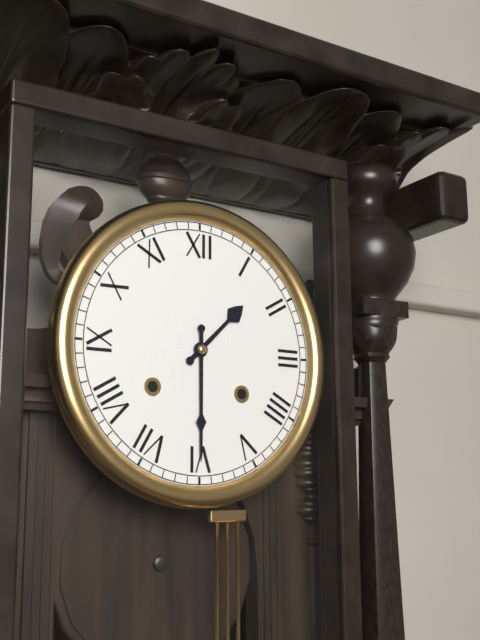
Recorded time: **1:30**
